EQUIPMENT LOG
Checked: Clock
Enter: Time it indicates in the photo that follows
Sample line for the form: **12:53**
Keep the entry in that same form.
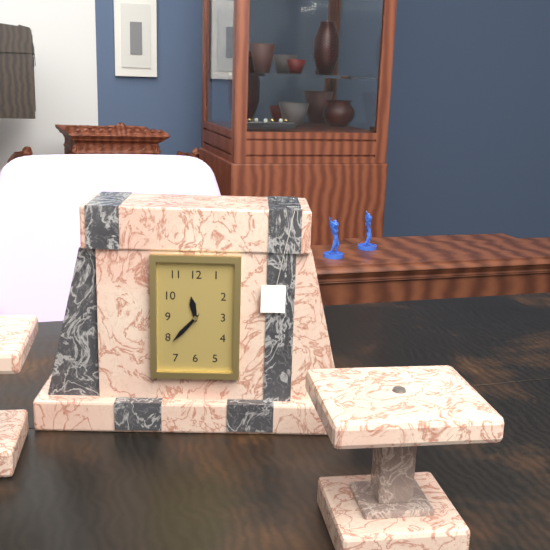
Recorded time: **11:37**
